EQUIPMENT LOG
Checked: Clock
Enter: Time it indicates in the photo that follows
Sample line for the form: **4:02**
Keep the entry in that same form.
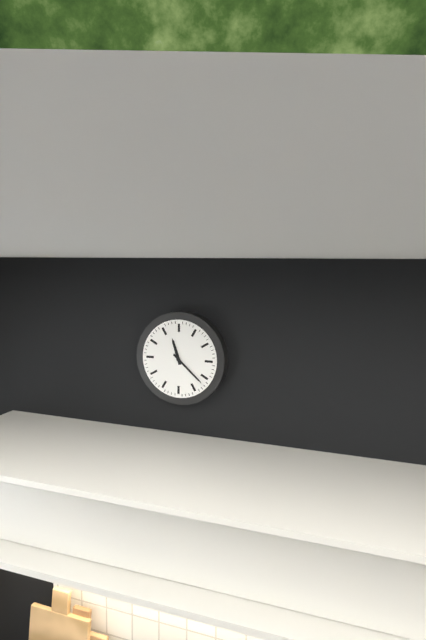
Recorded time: **11:22**
